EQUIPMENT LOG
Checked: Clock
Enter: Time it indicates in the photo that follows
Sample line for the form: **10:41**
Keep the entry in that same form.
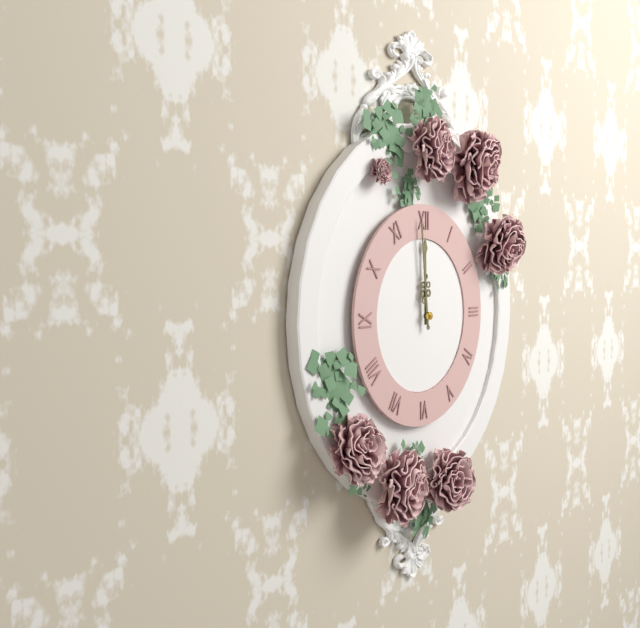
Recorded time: **11:59**
